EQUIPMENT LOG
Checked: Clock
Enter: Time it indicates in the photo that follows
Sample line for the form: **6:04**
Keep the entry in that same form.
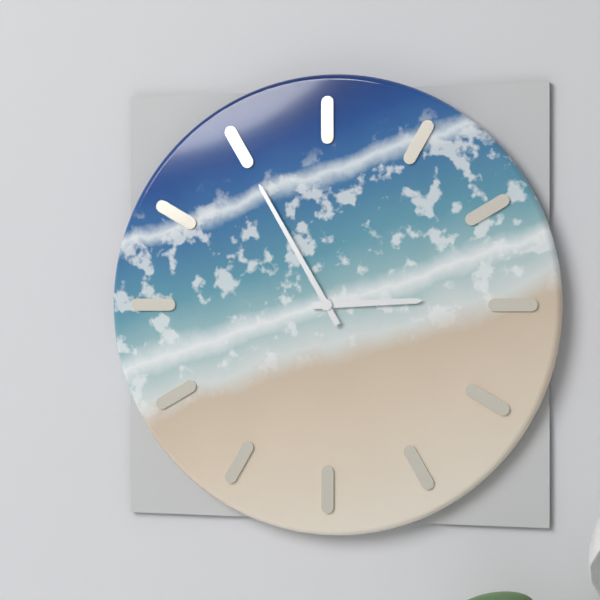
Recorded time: **2:55**
